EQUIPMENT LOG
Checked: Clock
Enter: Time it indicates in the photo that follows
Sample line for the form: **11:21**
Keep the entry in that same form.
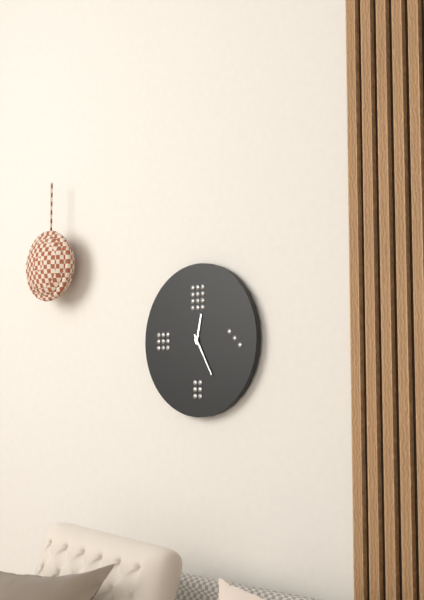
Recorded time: **12:25**
